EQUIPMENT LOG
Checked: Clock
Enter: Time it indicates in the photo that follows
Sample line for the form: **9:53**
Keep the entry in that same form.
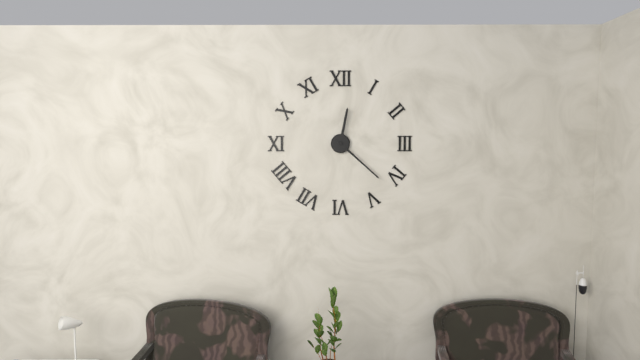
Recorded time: **12:22**
